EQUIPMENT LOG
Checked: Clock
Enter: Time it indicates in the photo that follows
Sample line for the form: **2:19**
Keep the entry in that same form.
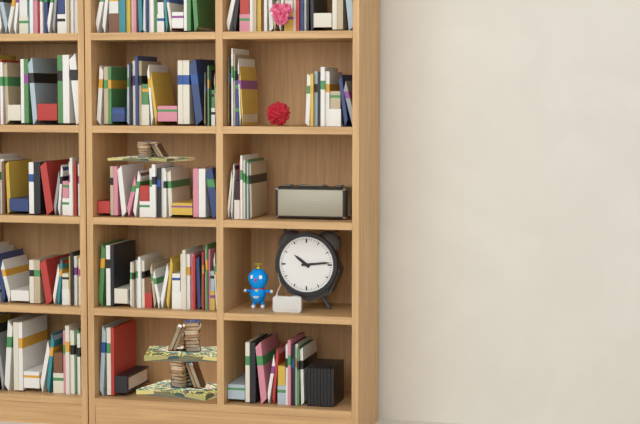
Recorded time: **10:14**
